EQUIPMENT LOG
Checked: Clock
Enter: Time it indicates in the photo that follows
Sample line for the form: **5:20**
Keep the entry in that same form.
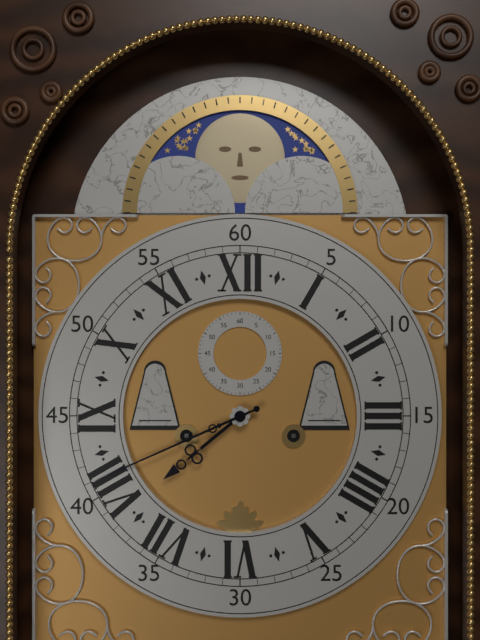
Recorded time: **7:41**
